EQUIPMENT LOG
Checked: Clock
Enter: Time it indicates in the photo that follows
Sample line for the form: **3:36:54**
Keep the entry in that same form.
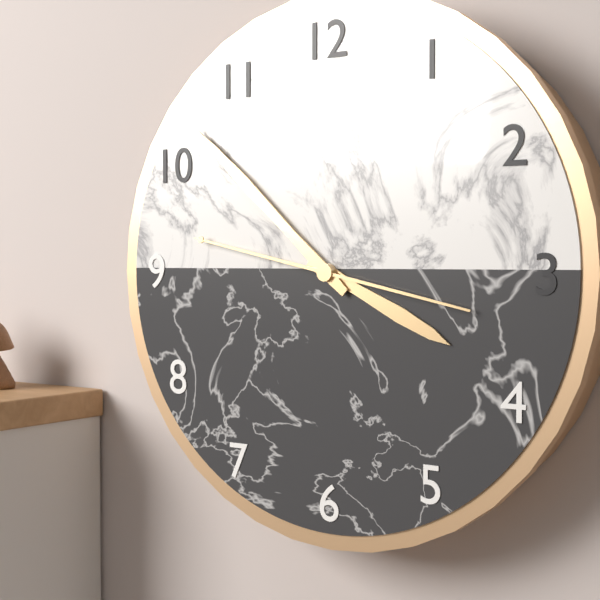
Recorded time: **3:52:47**
